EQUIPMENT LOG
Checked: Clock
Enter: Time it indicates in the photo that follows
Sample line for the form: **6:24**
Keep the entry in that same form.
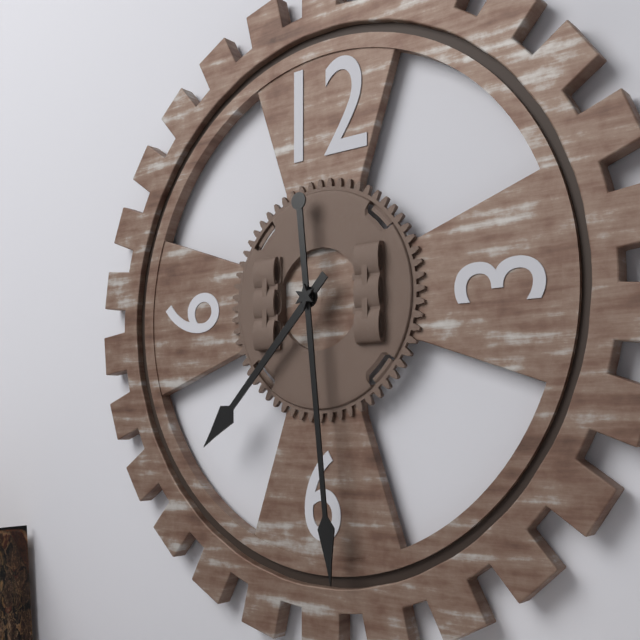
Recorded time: **7:29**
